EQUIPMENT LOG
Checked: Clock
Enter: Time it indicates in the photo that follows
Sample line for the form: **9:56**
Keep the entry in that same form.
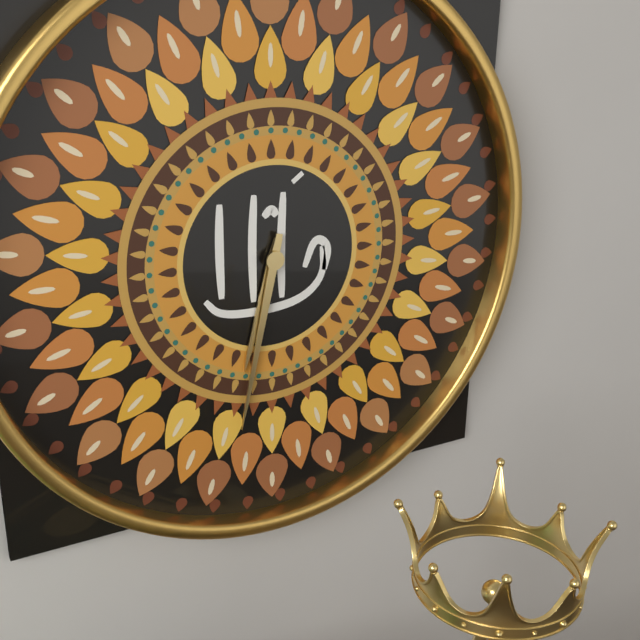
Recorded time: **6:32**
